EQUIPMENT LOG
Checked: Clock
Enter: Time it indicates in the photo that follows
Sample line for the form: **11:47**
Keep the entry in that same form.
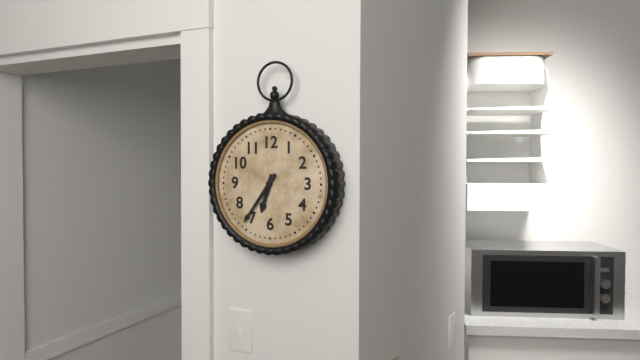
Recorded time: **6:36**
